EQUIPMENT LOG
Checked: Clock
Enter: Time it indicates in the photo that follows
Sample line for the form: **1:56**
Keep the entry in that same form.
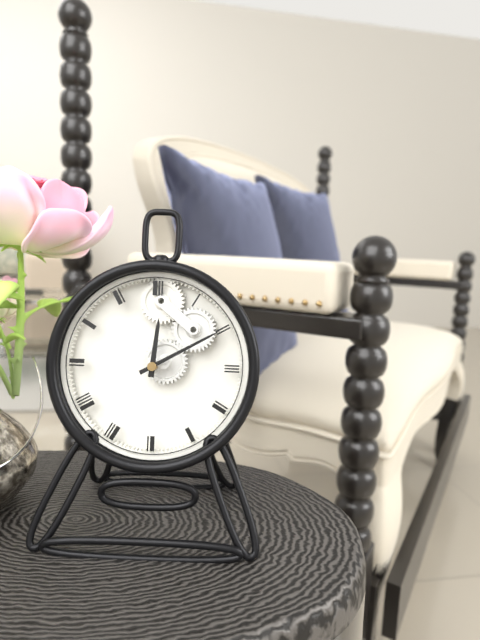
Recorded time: **12:10**
